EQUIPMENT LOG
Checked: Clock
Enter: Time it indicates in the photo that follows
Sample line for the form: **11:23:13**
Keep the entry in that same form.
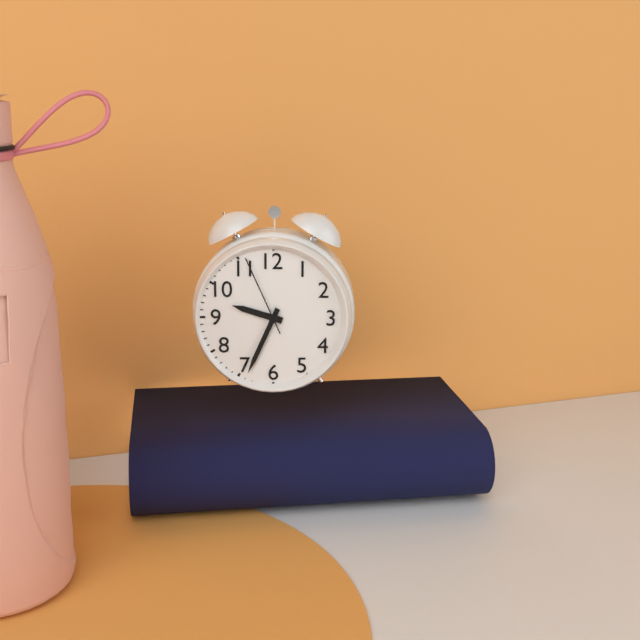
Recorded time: **9:34:56**
